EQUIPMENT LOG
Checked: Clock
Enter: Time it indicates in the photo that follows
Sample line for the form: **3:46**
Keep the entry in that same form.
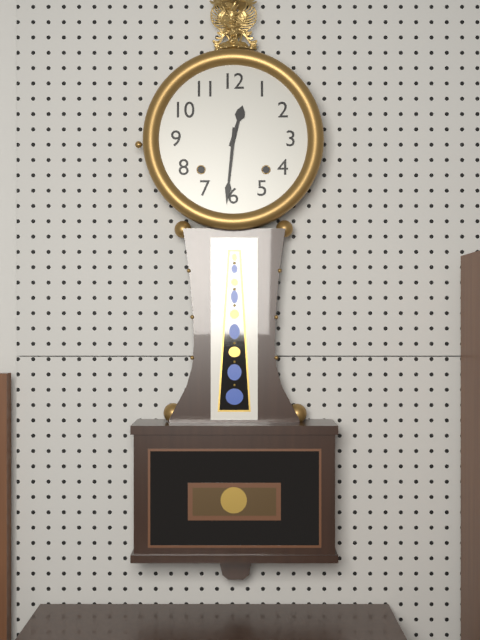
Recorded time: **12:31**
